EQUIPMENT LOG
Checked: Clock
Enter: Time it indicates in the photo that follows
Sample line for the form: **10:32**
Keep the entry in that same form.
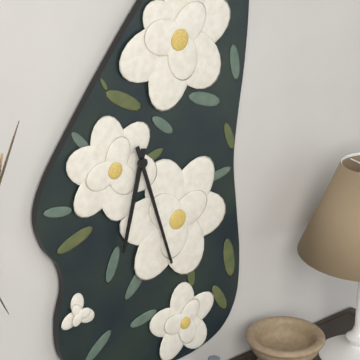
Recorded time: **6:27**
